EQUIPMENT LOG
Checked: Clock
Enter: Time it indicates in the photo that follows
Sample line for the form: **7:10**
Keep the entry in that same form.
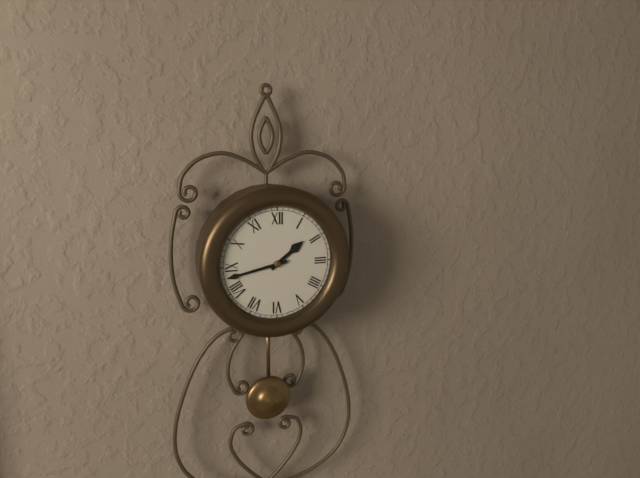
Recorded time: **1:43**
